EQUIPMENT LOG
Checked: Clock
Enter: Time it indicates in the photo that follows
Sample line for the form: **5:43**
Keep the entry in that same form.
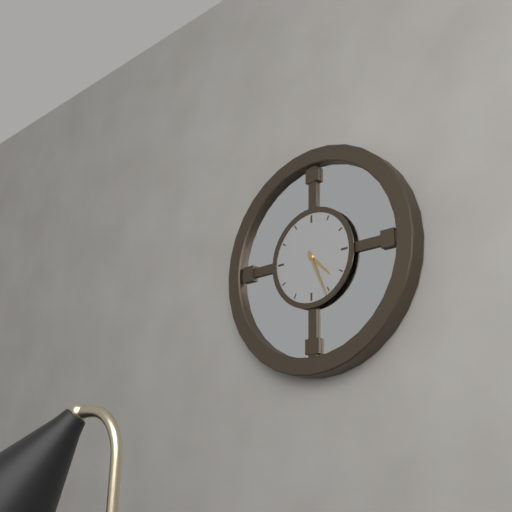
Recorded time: **4:26**
